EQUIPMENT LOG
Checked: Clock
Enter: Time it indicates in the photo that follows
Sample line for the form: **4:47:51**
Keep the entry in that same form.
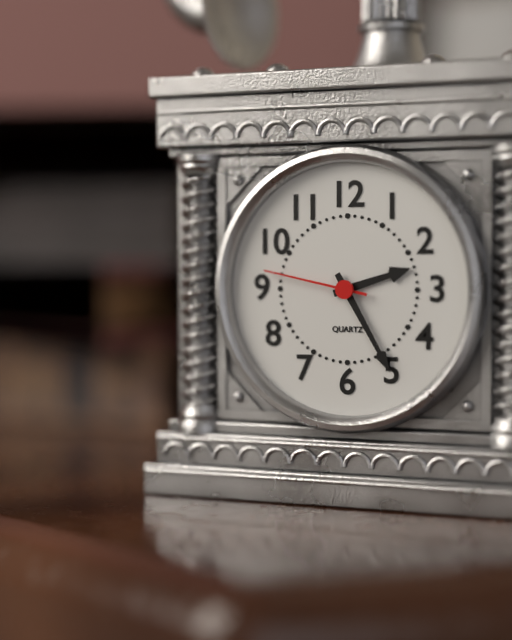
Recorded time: **2:25:47**
